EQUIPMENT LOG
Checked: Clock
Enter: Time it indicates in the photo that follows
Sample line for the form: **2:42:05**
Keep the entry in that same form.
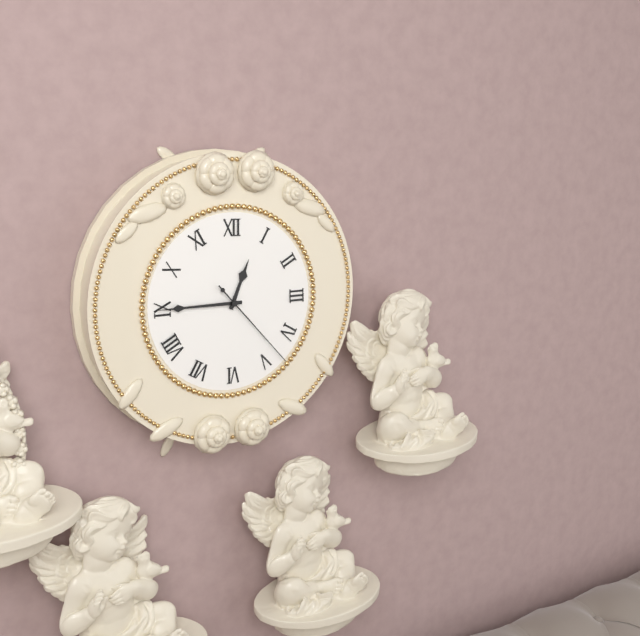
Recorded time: **12:45:23**
